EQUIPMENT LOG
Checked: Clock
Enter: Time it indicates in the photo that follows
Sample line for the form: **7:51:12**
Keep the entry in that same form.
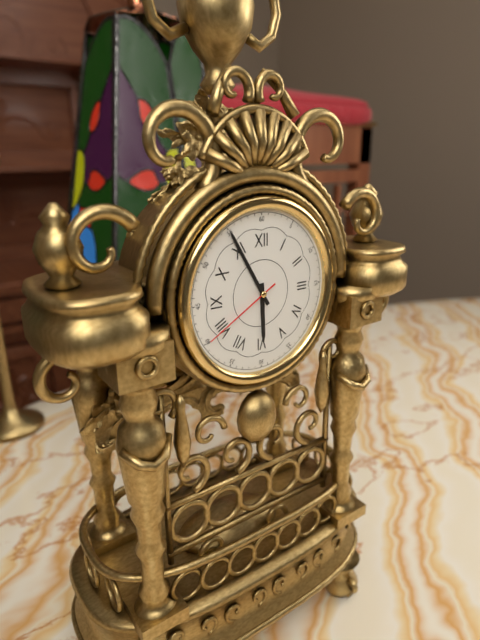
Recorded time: **5:55:40**
